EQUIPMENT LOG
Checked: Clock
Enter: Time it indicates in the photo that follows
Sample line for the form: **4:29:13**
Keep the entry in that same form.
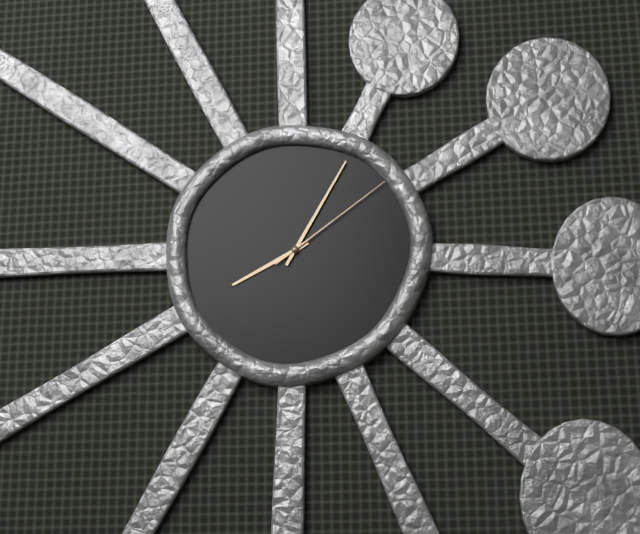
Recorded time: **8:05:09**
